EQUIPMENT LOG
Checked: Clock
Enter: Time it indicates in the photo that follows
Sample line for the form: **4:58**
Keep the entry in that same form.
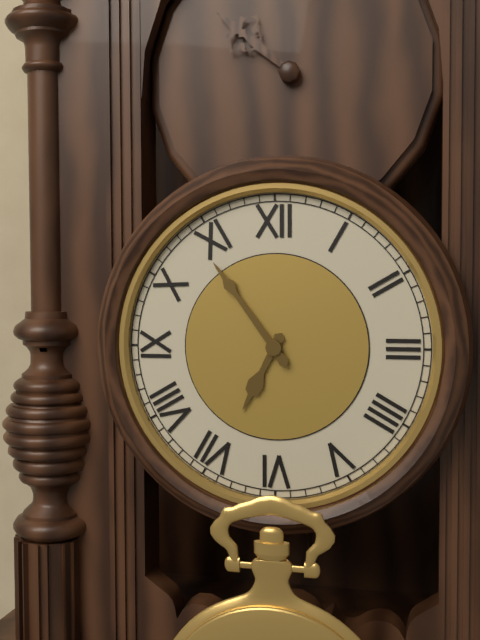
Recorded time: **6:54**
